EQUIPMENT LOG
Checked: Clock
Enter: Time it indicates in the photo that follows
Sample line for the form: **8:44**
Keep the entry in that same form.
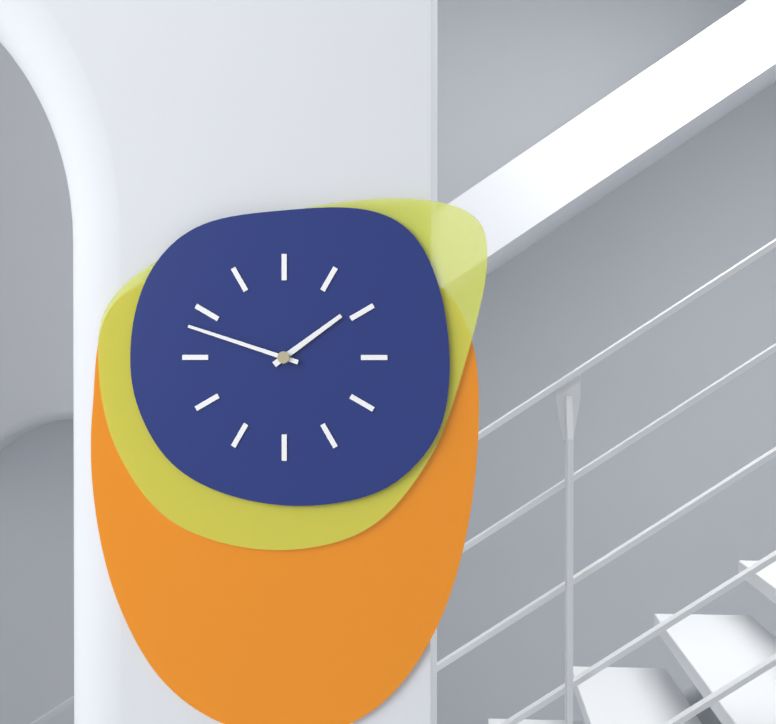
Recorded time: **1:48**
